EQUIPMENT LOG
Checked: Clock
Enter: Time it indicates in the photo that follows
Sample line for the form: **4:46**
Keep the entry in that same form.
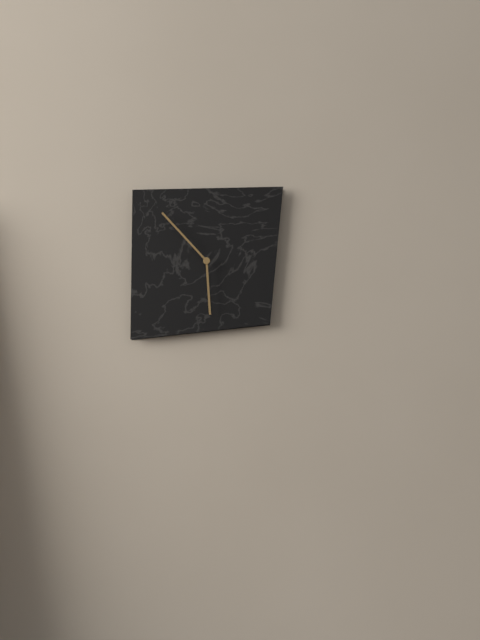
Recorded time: **5:53**
